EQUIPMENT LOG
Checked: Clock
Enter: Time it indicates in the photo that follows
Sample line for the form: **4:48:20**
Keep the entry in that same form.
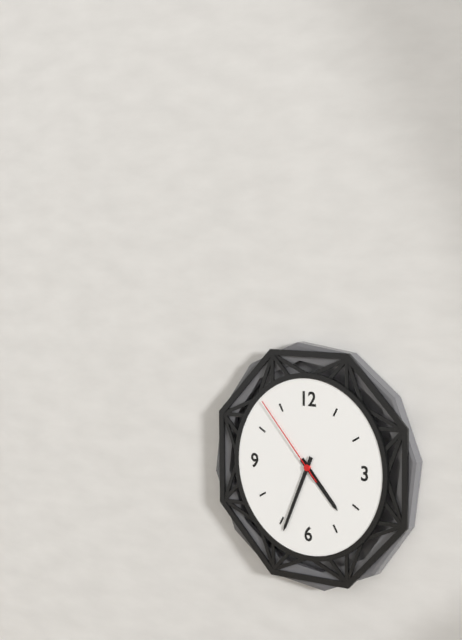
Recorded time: **4:34:53**
